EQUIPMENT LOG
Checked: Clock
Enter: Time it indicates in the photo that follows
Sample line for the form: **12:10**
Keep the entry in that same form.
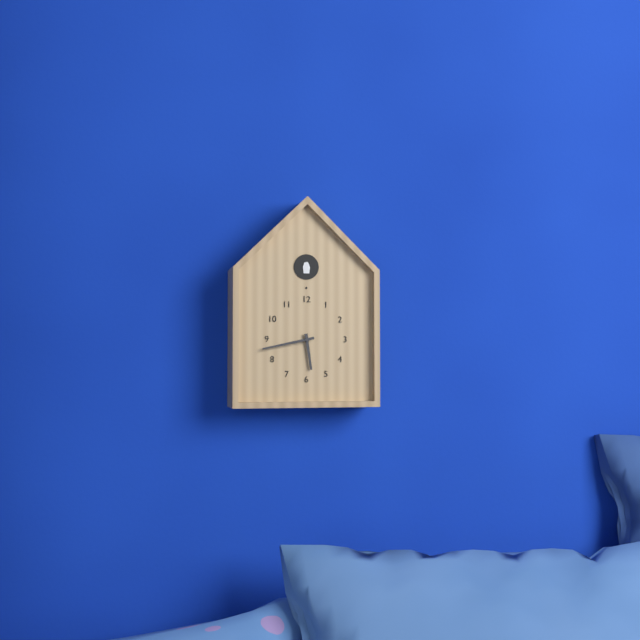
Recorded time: **5:43**
